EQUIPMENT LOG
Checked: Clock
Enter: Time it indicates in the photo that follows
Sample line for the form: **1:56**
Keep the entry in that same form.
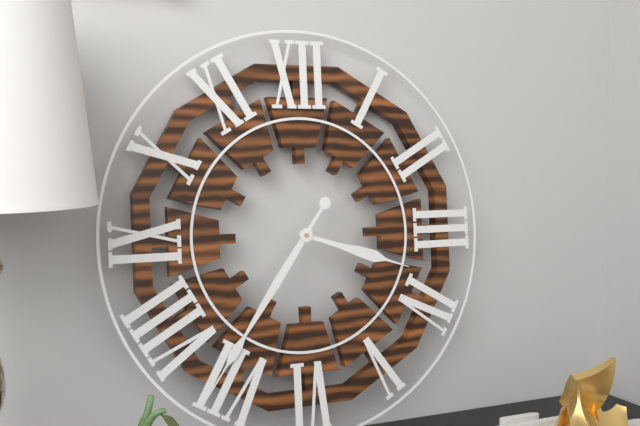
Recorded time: **3:36**
